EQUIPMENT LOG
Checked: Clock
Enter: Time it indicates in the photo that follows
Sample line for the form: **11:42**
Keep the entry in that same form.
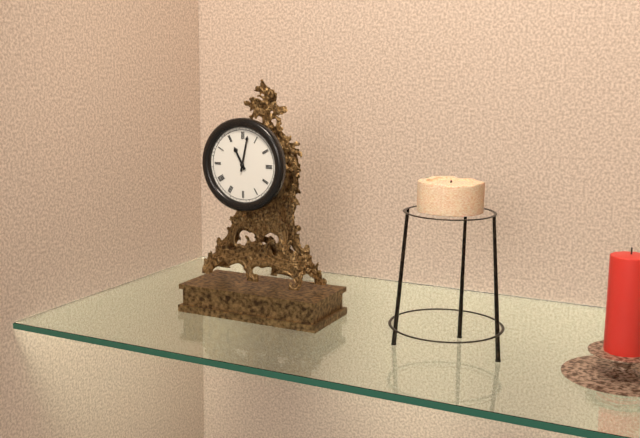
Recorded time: **11:02**
